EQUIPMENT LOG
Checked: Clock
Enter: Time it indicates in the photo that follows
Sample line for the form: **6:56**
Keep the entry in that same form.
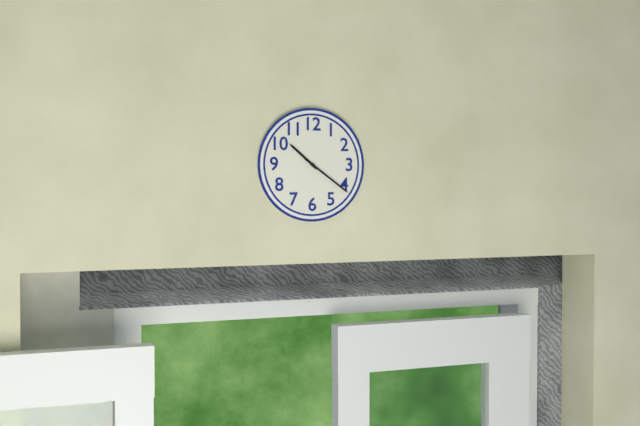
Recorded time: **10:21**
